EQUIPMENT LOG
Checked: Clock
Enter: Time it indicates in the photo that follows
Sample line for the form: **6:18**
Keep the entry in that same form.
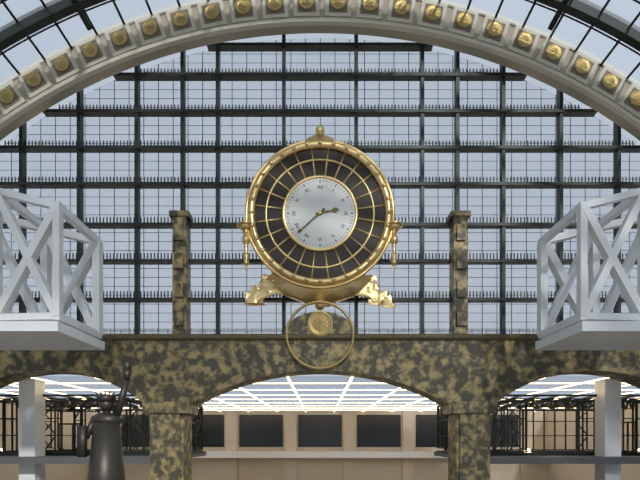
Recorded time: **2:38**
